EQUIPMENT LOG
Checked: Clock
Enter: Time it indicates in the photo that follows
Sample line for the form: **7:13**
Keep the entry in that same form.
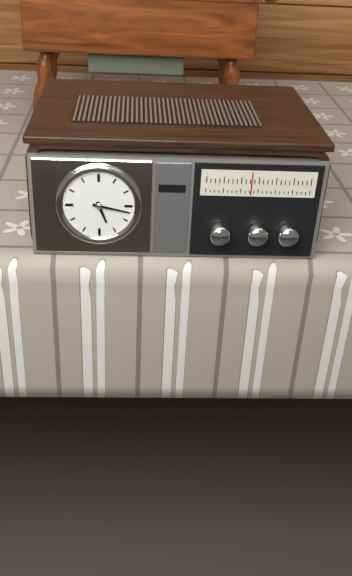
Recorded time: **5:17**
